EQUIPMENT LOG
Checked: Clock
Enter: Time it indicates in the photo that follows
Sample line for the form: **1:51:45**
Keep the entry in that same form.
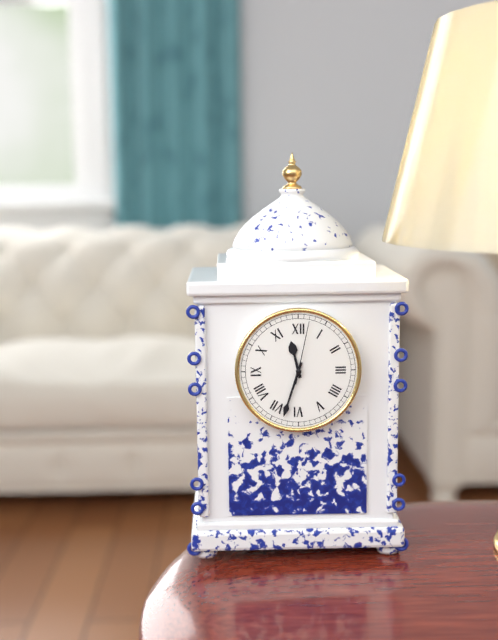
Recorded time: **11:33:02**
